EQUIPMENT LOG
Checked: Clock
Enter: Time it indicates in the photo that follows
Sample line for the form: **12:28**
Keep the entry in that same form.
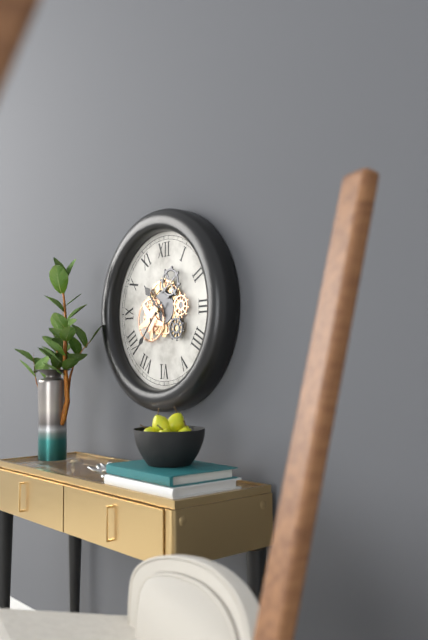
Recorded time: **10:37**
